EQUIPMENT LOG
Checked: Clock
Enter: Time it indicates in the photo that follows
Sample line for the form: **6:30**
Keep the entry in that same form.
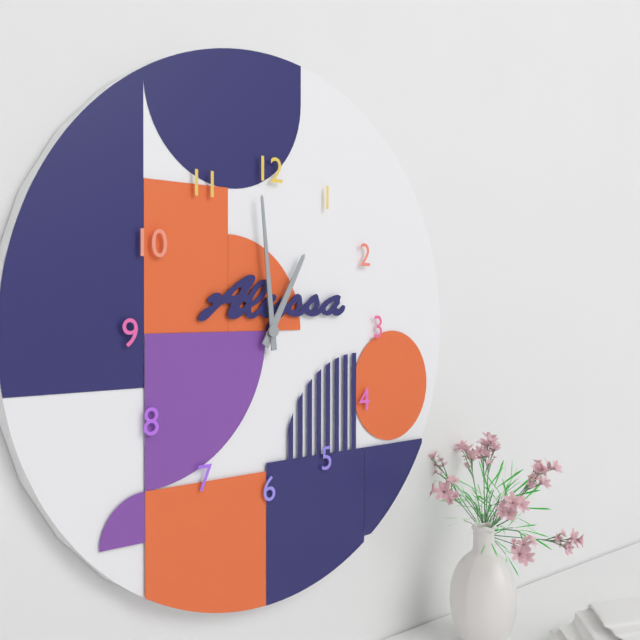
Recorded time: **12:59**
